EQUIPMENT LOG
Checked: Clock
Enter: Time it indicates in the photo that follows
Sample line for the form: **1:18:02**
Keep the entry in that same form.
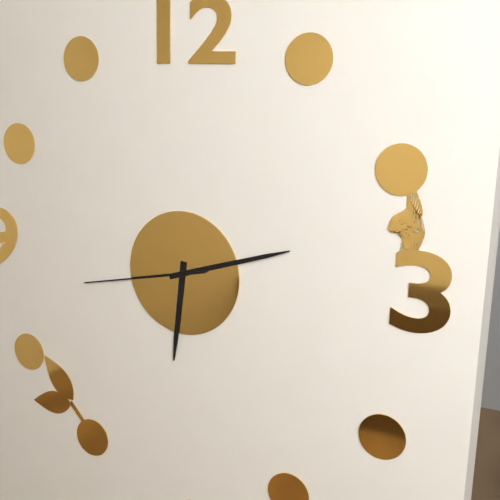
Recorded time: **6:12:43**
